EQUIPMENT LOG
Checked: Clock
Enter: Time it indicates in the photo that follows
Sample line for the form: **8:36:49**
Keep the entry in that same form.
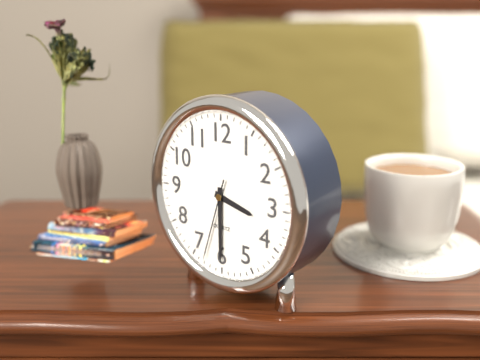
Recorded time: **3:30:33**
